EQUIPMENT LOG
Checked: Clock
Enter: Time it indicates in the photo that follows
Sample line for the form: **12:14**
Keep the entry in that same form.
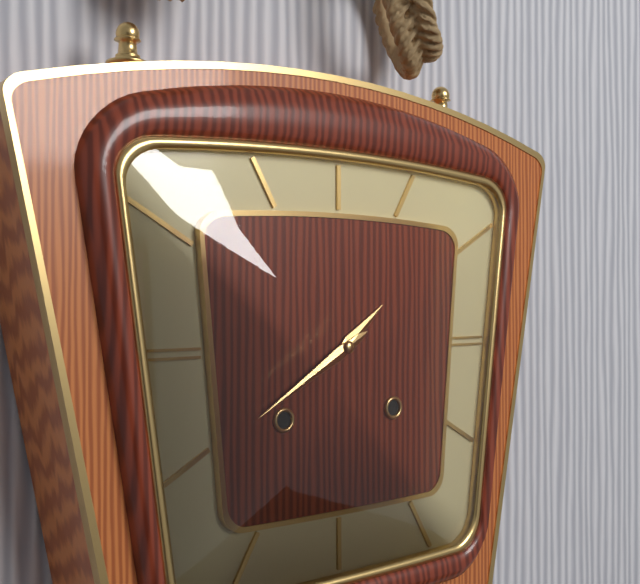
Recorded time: **1:40**
